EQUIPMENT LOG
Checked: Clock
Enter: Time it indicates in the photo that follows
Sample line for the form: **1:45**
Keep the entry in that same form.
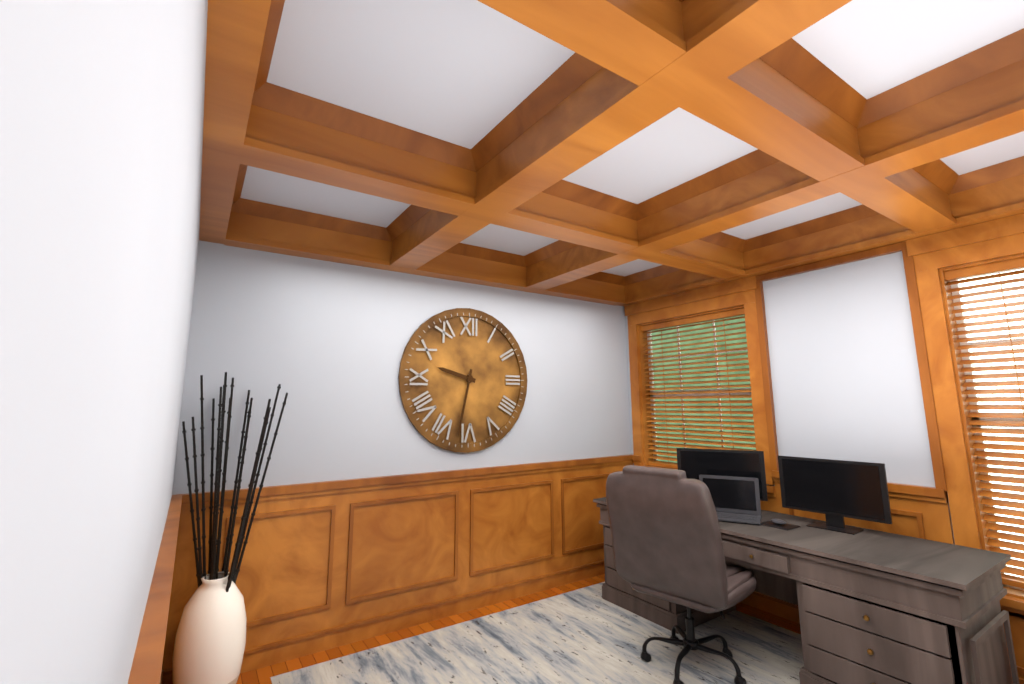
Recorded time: **9:32**
